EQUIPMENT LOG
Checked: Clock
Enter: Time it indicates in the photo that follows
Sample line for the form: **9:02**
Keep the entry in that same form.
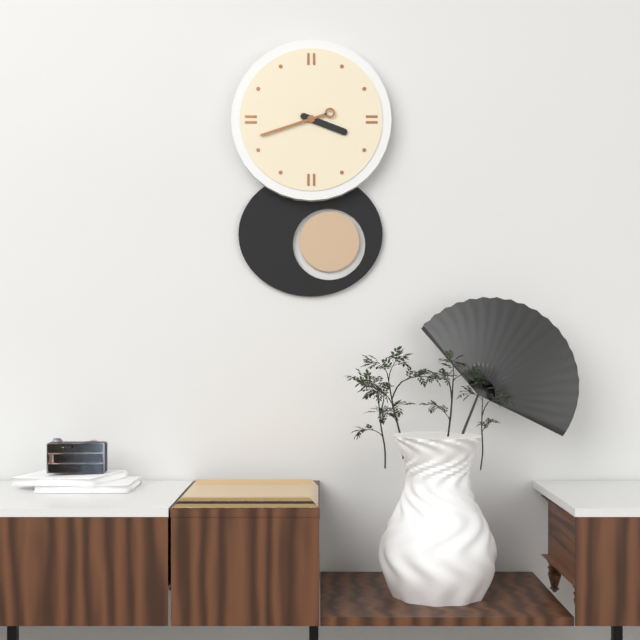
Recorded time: **3:42**
